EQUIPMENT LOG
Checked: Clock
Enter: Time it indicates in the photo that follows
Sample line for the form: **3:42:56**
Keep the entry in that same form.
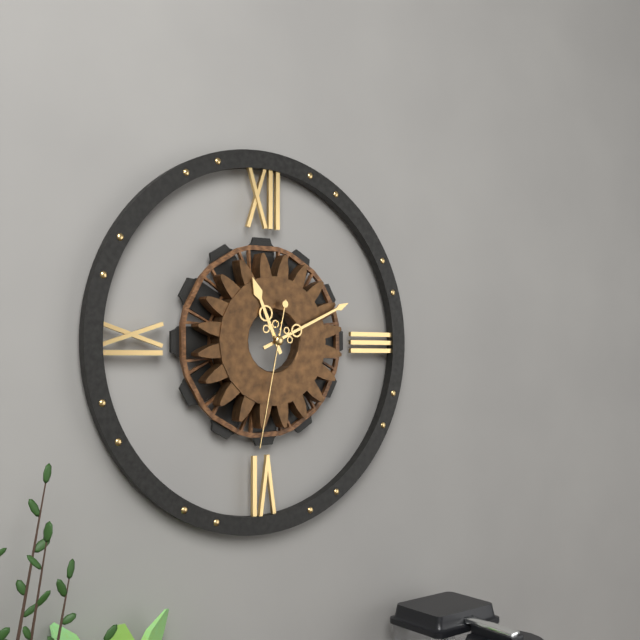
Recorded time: **11:11:32**
